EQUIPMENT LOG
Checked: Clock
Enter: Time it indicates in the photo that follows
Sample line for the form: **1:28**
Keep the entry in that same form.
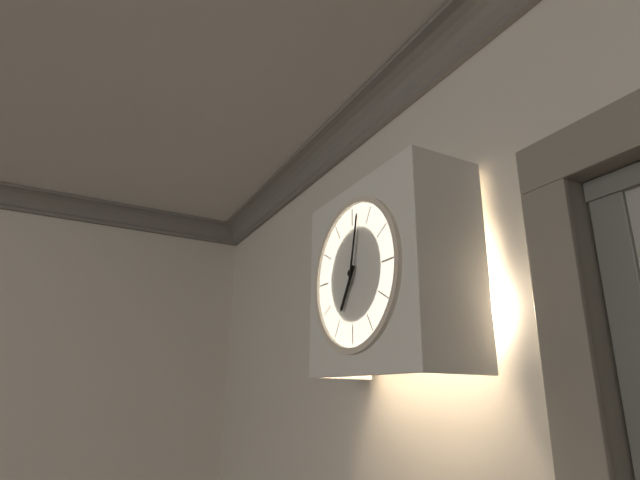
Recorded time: **7:02**
